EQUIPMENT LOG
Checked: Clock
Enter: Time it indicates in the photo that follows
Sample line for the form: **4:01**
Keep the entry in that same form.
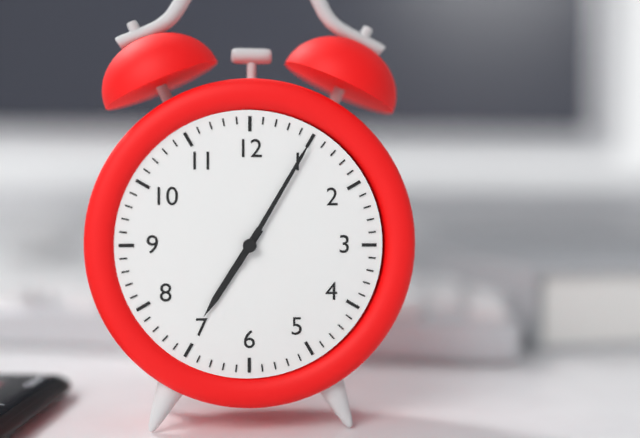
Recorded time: **7:05**
